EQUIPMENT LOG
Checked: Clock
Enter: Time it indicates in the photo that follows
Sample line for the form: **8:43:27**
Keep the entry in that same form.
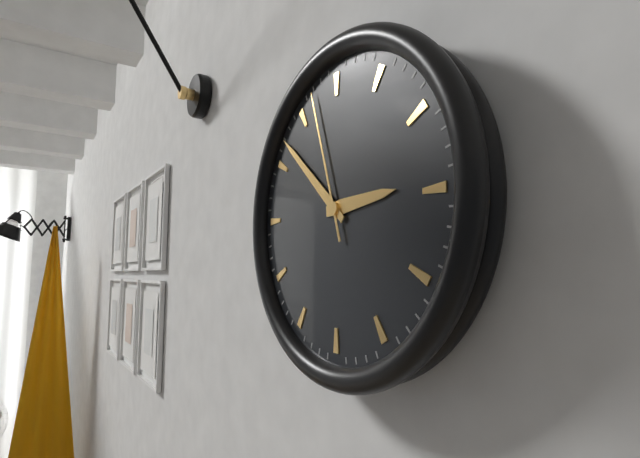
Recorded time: **2:52:57**
